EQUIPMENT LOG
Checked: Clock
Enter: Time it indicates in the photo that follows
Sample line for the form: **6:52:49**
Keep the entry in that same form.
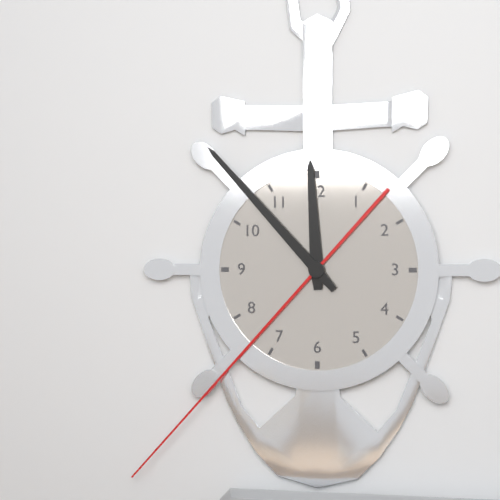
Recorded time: **11:53:37**
